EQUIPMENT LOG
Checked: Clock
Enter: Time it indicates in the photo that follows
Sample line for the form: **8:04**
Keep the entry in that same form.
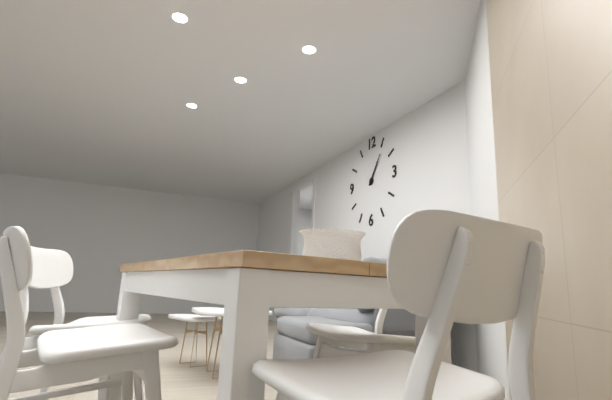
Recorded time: **1:06**
